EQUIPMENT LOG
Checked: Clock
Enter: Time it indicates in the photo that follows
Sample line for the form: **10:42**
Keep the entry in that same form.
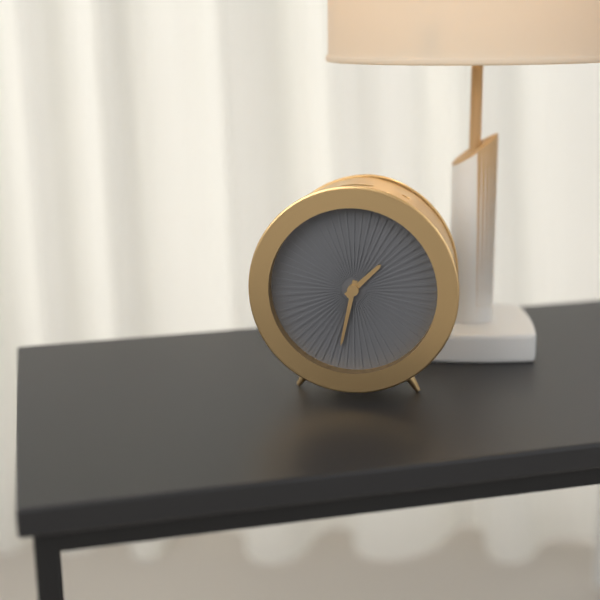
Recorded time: **1:32**
